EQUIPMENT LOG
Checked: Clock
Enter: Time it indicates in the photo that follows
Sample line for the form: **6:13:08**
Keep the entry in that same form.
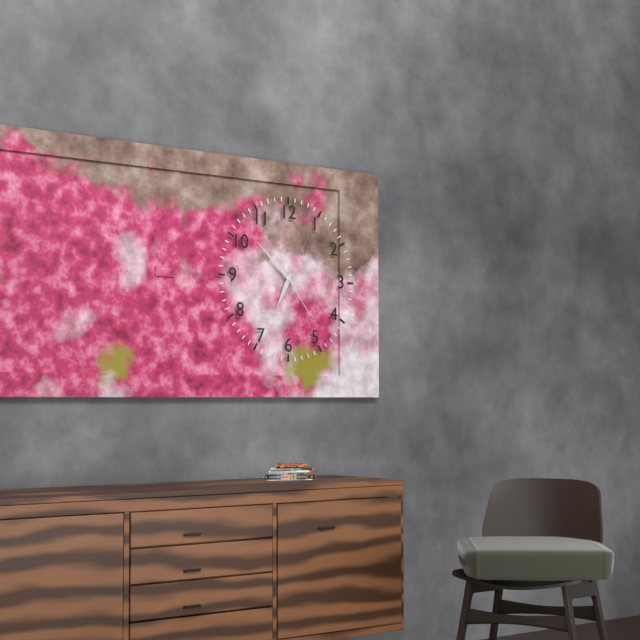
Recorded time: **6:52:24**
